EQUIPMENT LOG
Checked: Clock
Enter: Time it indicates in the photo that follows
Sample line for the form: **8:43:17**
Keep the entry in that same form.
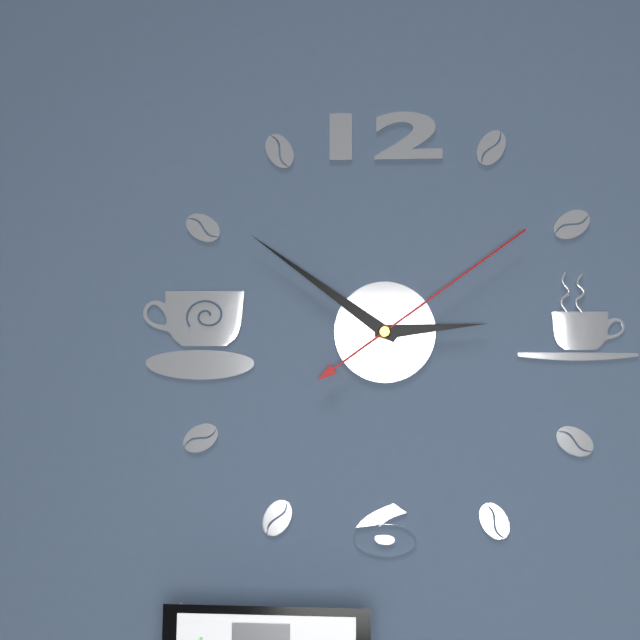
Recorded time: **2:51:09**
